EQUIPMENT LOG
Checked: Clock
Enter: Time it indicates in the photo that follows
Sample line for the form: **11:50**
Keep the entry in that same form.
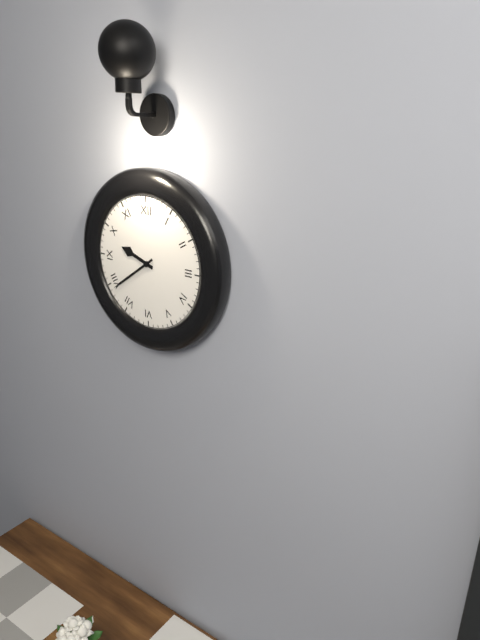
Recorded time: **9:39**
